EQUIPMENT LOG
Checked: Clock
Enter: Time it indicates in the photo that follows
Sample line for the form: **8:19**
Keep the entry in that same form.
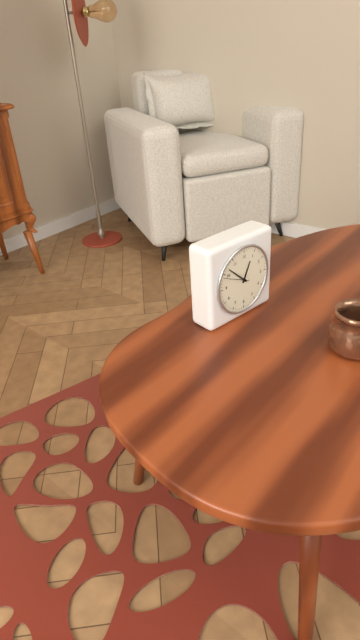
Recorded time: **12:52**
